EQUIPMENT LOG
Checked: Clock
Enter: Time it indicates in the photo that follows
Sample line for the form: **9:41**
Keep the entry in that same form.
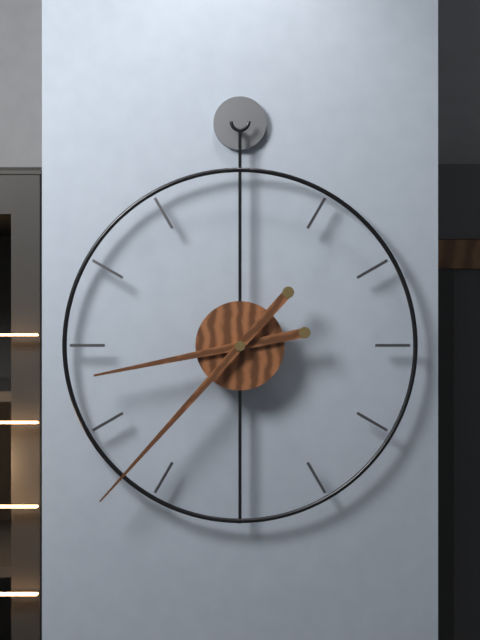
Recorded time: **8:37**
